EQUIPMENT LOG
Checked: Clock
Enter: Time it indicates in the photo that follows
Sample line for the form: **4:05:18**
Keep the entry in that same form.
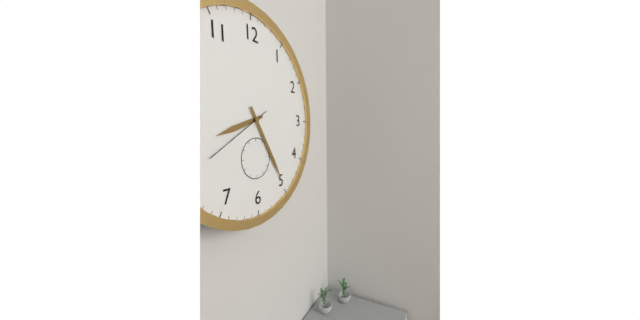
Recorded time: **8:25:40**
